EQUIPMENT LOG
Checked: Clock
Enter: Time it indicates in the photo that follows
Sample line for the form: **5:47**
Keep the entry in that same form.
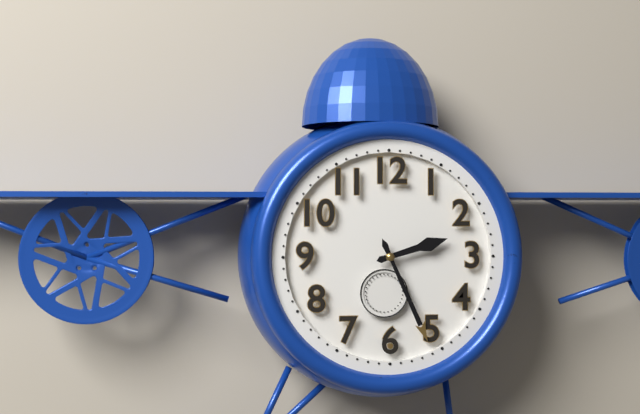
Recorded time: **2:26**
